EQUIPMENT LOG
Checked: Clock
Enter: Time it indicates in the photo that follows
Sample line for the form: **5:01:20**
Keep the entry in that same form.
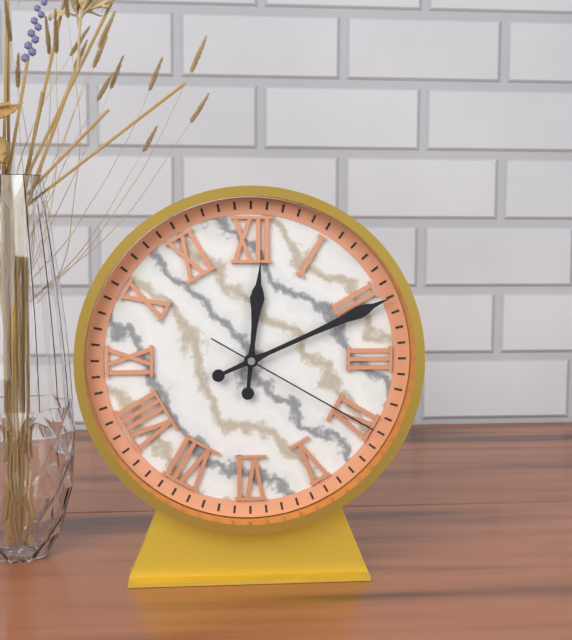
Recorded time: **12:11:20**
